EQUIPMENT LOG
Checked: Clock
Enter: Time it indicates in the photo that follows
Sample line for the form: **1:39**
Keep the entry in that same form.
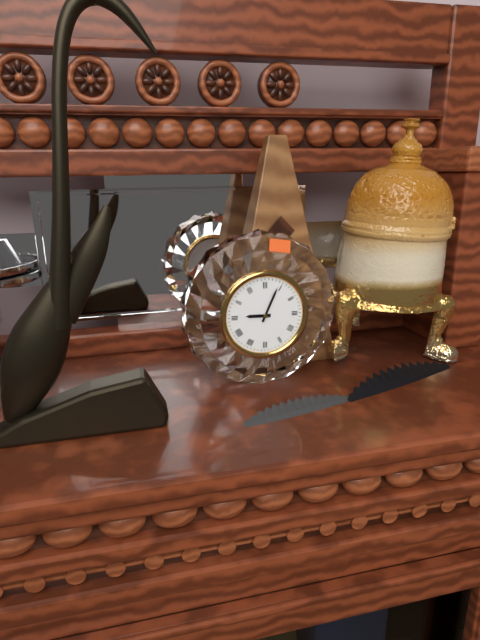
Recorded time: **9:04**
